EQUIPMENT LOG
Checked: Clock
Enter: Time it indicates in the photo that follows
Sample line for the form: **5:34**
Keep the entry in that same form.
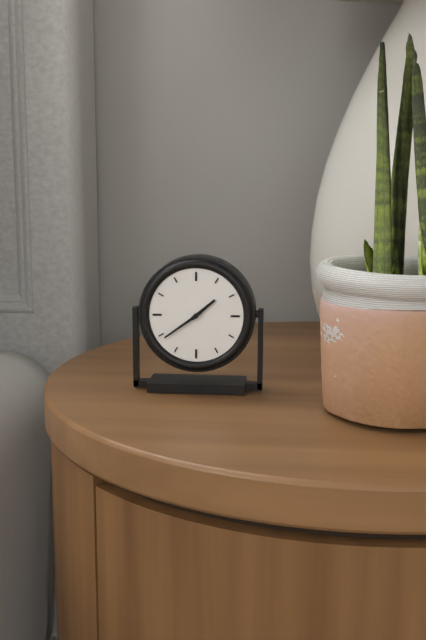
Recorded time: **1:39**
